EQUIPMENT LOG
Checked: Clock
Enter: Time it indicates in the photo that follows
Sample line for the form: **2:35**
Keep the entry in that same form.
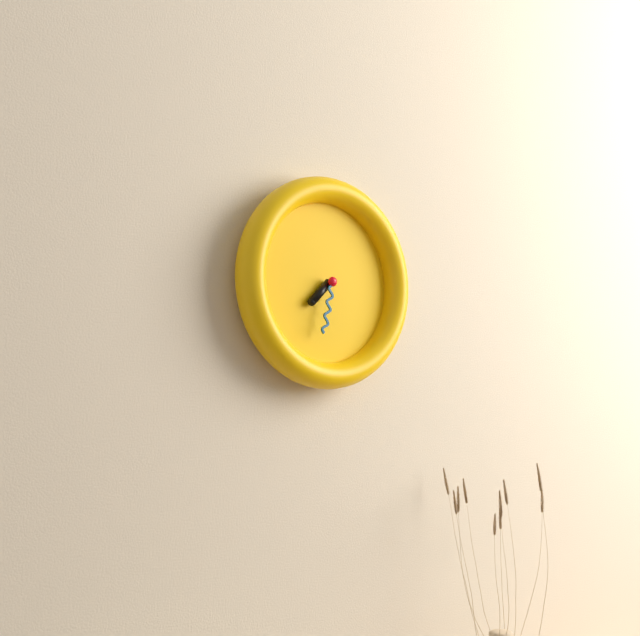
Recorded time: **7:32**
